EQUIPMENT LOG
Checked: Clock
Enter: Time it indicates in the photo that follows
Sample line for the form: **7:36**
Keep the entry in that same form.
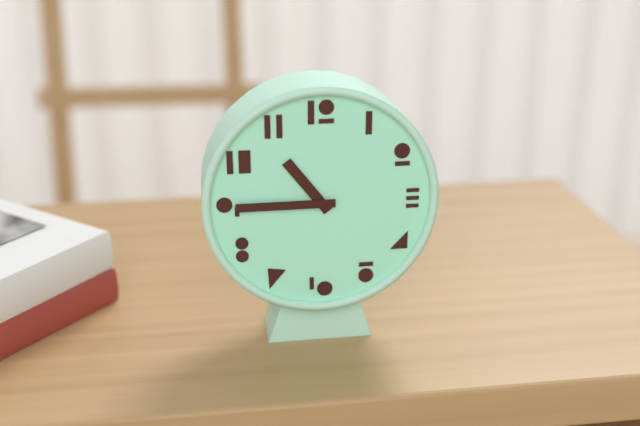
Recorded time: **10:45**
